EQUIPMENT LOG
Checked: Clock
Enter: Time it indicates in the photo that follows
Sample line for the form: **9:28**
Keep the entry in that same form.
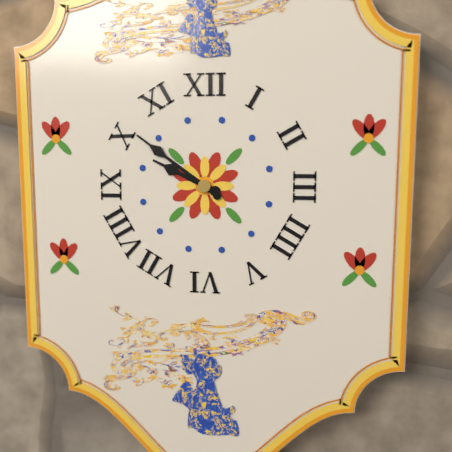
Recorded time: **9:51**
